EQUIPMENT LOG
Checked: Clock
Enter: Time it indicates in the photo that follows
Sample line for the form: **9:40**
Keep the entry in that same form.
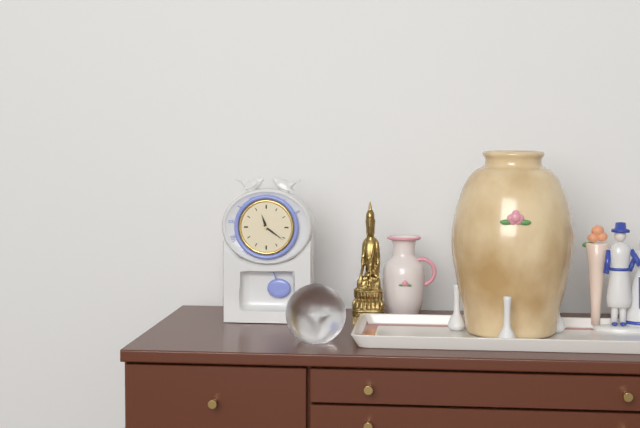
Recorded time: **11:21**
